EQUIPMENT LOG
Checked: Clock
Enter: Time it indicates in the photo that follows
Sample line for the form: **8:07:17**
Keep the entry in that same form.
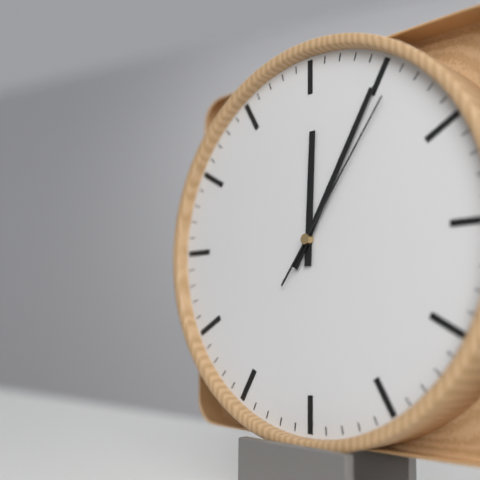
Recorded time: **12:05:06**
